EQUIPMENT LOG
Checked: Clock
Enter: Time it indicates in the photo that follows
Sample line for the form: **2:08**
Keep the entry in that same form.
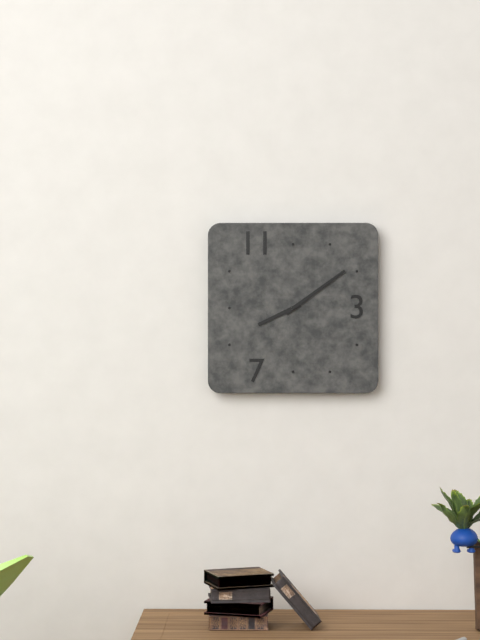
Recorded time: **8:09**
